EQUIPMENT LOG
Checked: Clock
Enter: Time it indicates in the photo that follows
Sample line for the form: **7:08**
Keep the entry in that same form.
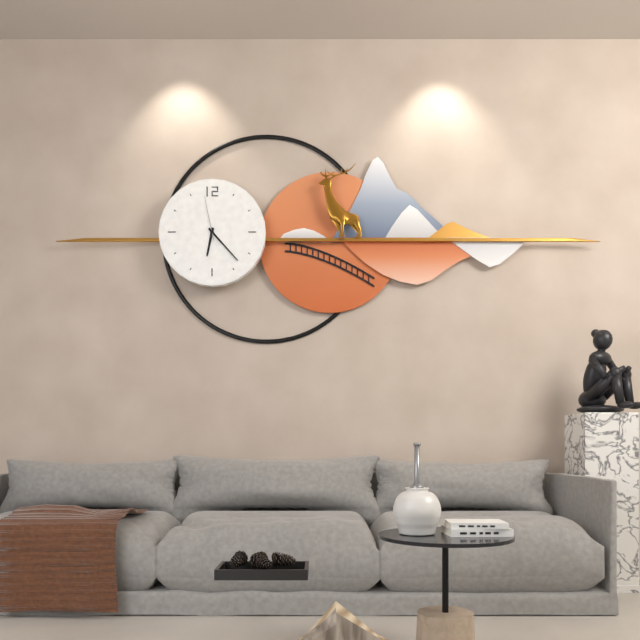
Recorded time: **6:23**
